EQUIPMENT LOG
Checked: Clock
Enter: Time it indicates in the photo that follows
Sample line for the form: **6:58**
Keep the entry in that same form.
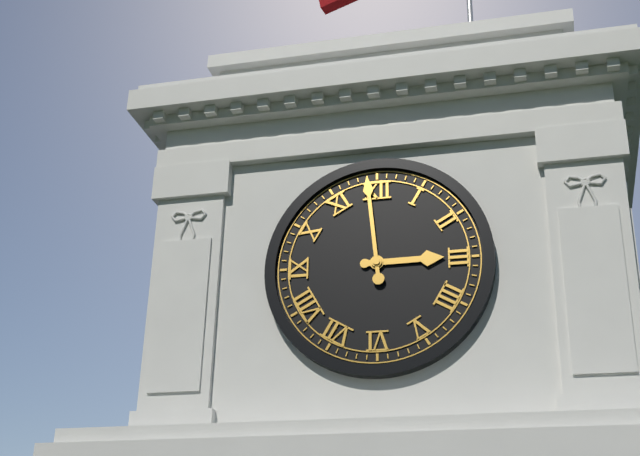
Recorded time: **2:59**
